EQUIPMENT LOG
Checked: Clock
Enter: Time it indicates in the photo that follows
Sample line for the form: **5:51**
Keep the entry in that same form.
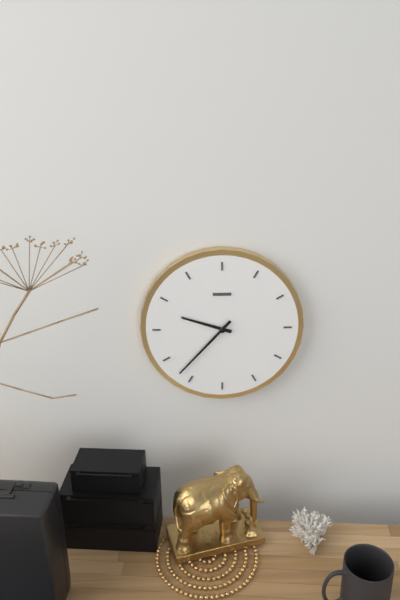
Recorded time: **9:37**
